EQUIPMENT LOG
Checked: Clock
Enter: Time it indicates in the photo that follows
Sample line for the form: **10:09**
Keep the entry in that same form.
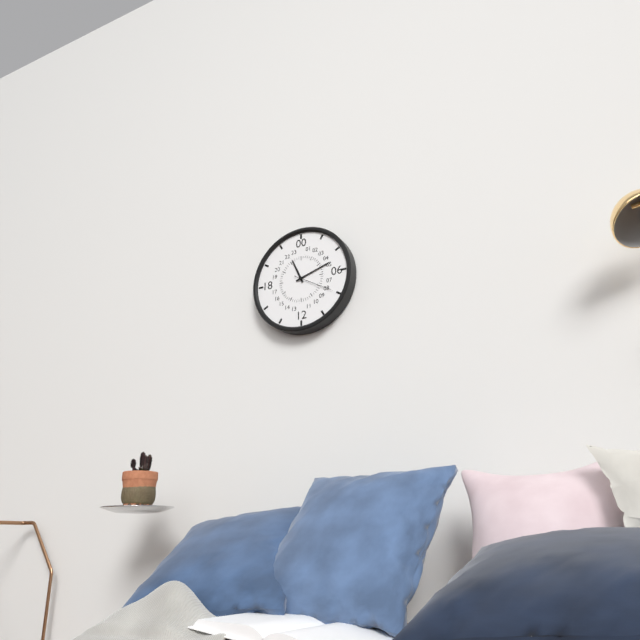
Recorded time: **11:12**
